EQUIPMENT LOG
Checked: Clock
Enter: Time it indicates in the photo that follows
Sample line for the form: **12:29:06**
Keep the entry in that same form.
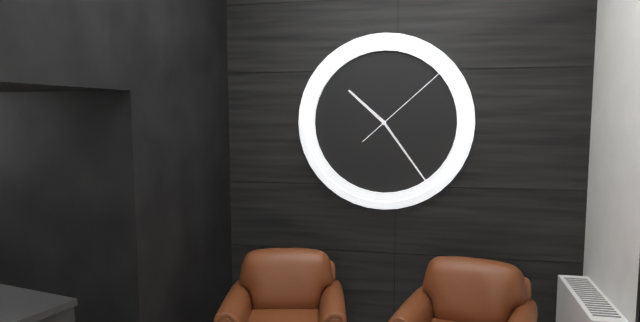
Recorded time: **10:24:08**
